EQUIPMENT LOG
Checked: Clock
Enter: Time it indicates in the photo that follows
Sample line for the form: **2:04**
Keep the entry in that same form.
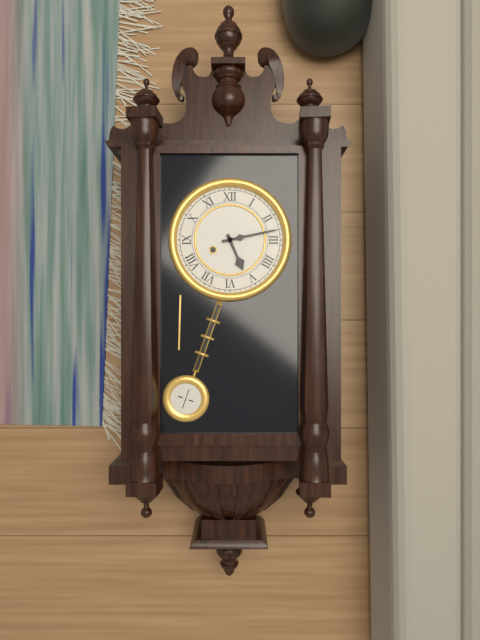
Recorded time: **5:13**
